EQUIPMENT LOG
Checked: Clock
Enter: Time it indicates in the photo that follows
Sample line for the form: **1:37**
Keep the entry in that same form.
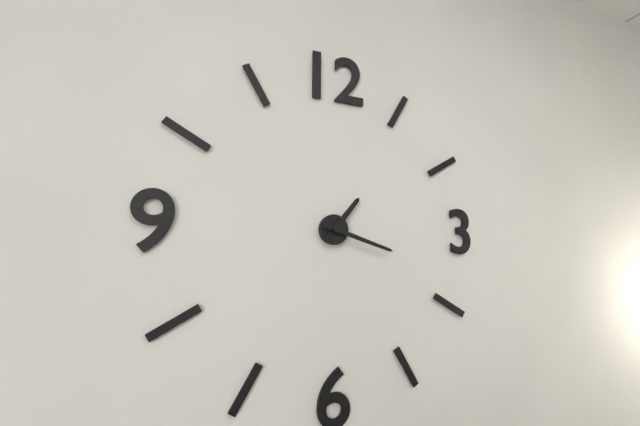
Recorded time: **1:18**
